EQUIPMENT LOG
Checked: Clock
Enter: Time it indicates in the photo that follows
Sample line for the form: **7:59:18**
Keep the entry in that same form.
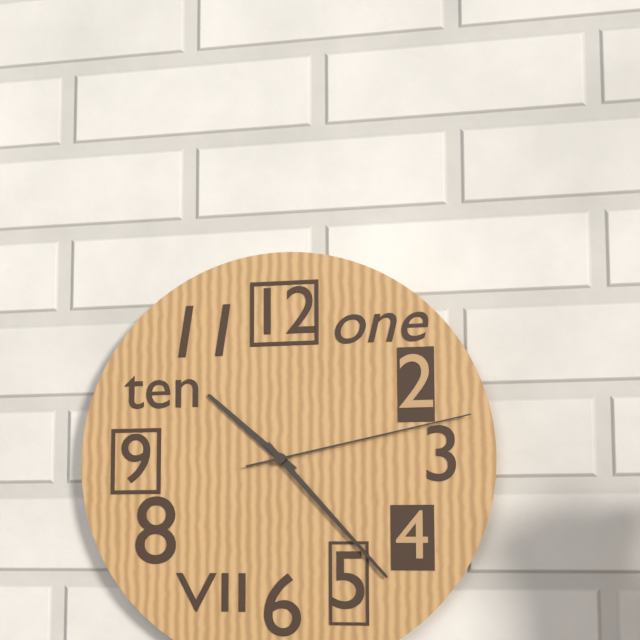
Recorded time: **10:23:13**
